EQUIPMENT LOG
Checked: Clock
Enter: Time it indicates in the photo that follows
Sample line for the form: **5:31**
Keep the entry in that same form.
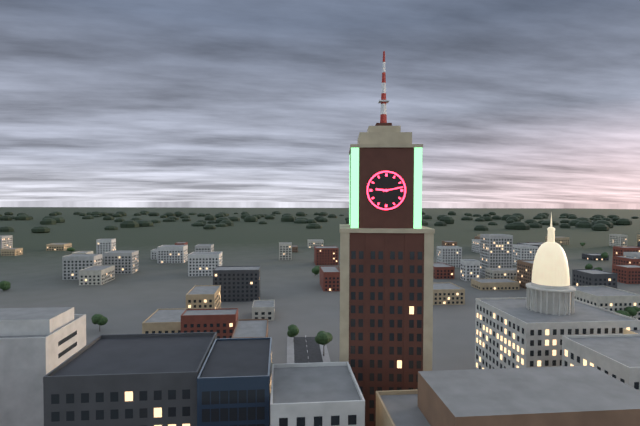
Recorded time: **9:13**
